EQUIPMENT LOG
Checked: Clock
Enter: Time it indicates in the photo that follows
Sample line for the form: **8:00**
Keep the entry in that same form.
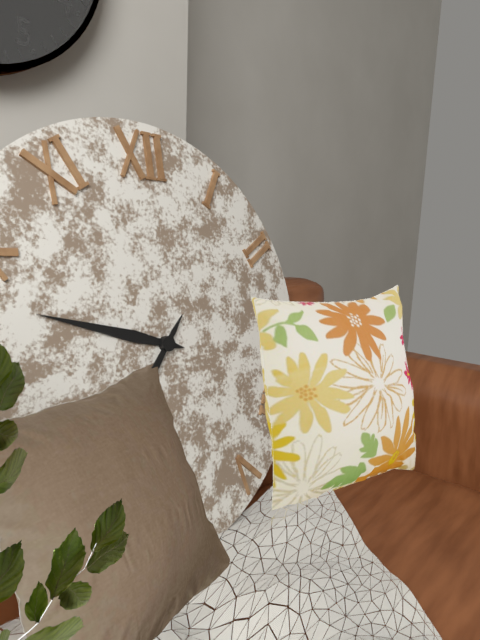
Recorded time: **9:37**
